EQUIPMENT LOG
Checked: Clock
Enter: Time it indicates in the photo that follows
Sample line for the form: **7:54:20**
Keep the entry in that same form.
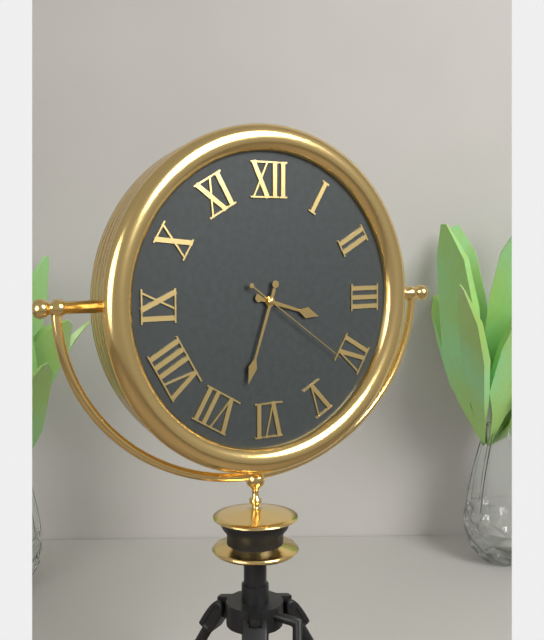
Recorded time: **3:33:21**
